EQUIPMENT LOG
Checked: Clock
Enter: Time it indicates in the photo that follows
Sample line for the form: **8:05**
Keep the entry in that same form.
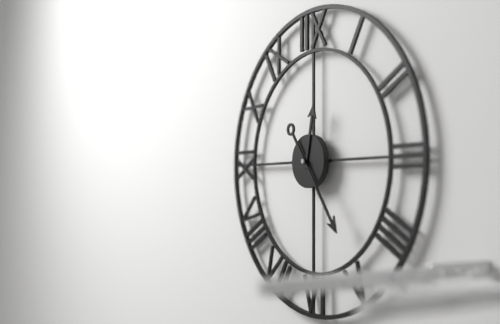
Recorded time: **12:24**
